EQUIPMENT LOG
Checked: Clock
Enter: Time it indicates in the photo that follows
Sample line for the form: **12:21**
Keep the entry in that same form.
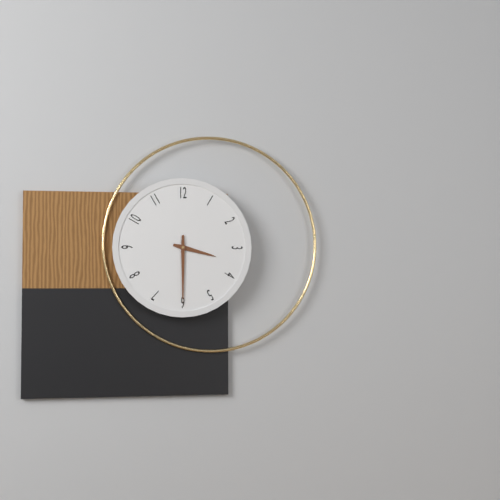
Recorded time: **3:30**
